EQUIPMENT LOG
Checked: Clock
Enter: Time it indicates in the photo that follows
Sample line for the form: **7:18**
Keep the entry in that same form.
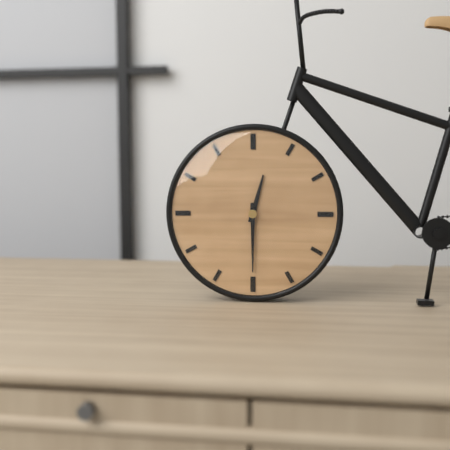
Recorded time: **12:30**
